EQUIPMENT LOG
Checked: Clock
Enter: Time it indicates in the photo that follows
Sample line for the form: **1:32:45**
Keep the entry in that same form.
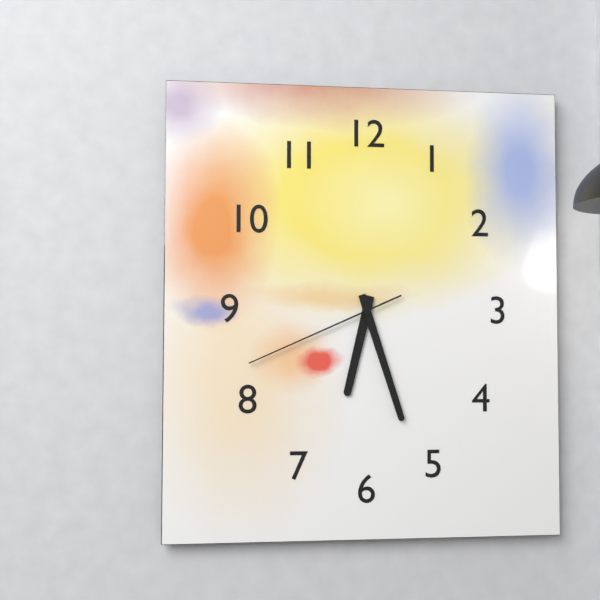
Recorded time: **6:27:41**
